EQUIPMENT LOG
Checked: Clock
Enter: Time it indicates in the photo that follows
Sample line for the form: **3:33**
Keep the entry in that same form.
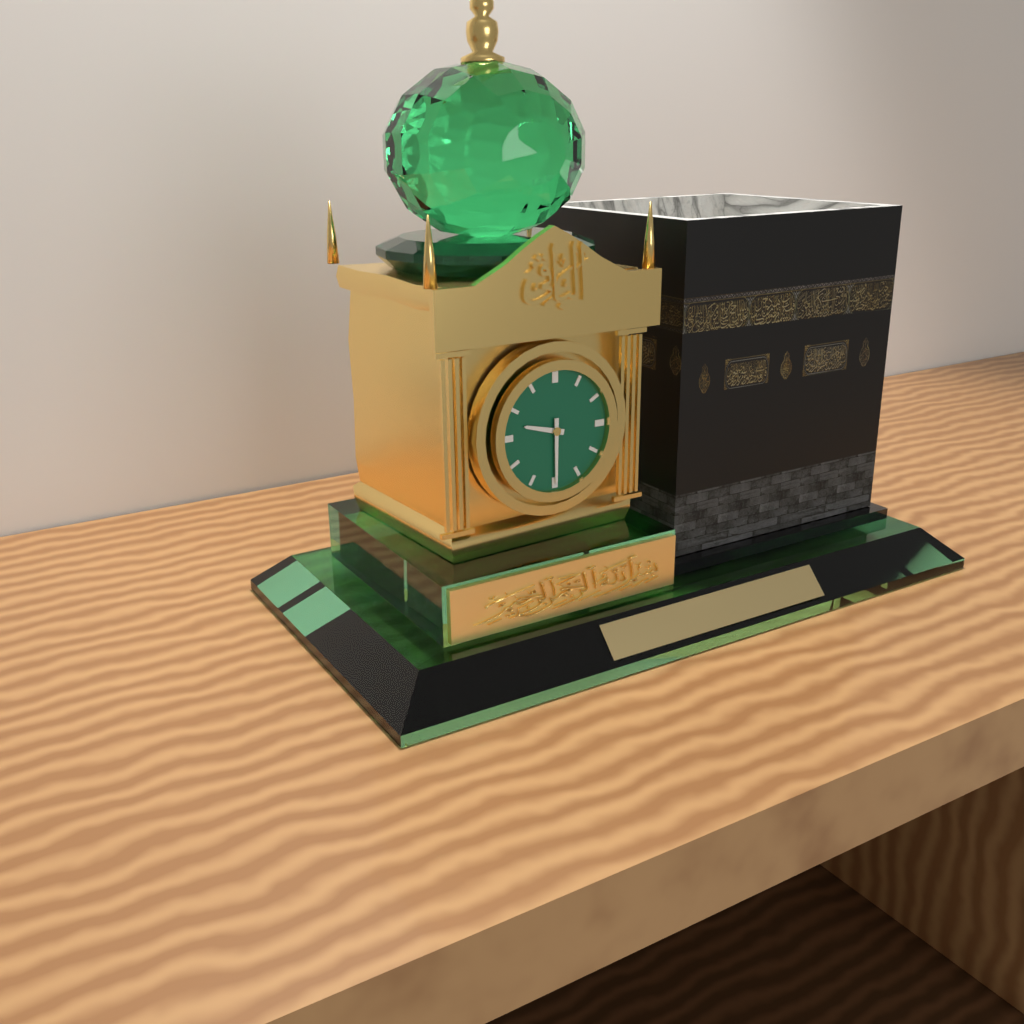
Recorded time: **9:30**
